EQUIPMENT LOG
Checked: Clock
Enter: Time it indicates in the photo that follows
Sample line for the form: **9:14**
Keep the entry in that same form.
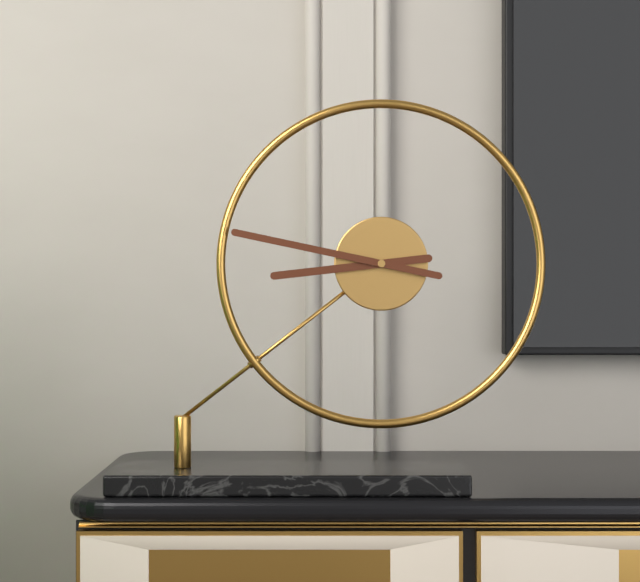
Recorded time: **8:47**
